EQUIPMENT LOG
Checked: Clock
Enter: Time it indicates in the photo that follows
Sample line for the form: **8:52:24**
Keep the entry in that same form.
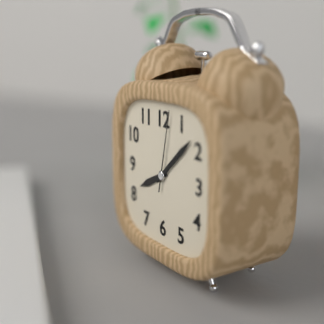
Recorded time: **8:08:02**
